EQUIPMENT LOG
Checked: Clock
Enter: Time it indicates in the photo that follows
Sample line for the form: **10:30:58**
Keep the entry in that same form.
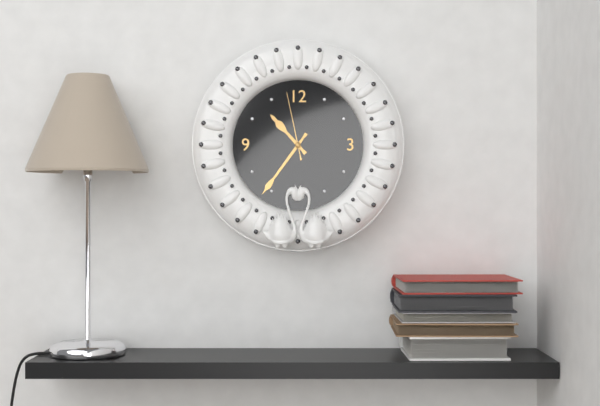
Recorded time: **10:36:58**
